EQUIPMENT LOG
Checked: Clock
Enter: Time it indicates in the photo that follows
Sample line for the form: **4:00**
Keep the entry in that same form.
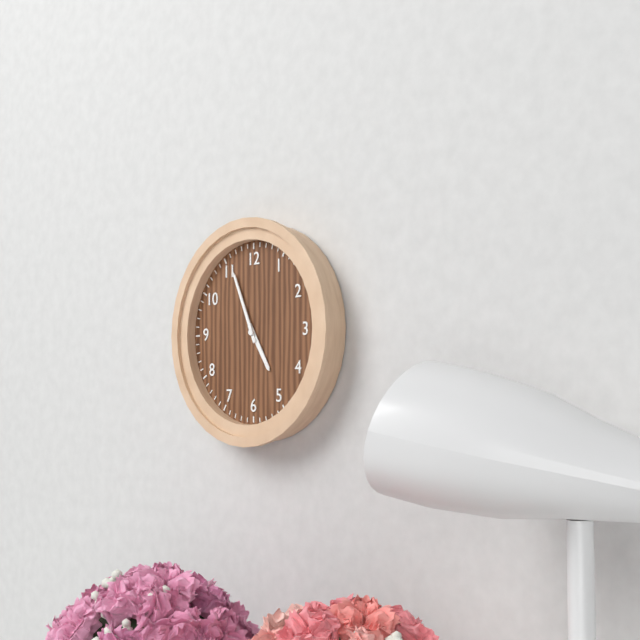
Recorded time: **4:56**
